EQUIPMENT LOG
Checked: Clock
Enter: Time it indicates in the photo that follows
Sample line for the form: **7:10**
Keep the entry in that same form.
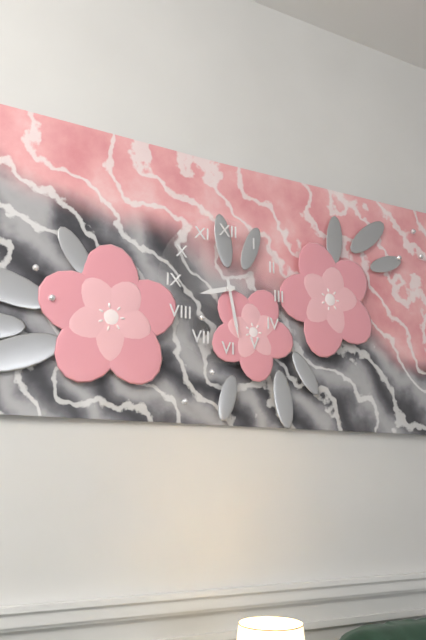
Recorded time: **8:28**
